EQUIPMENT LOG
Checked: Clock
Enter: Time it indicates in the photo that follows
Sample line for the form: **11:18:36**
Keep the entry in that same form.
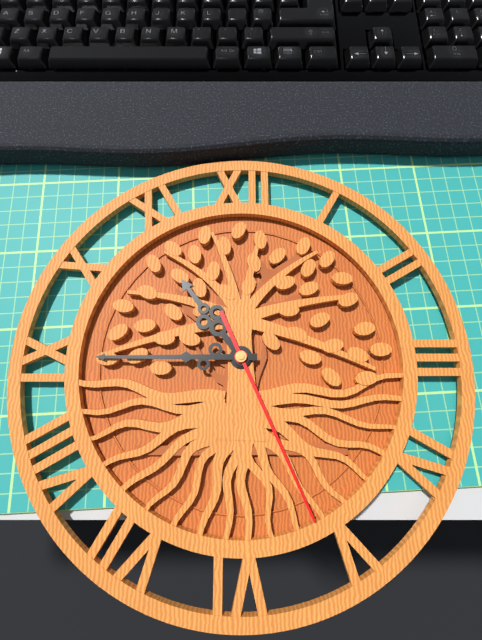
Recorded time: **10:45:26**
